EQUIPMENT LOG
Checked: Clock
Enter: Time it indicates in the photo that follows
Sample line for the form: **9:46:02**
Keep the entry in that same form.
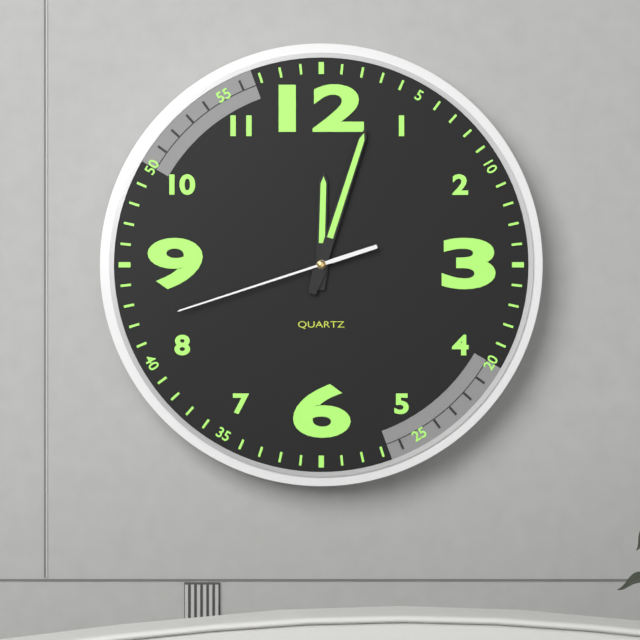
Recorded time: **12:03:42**
